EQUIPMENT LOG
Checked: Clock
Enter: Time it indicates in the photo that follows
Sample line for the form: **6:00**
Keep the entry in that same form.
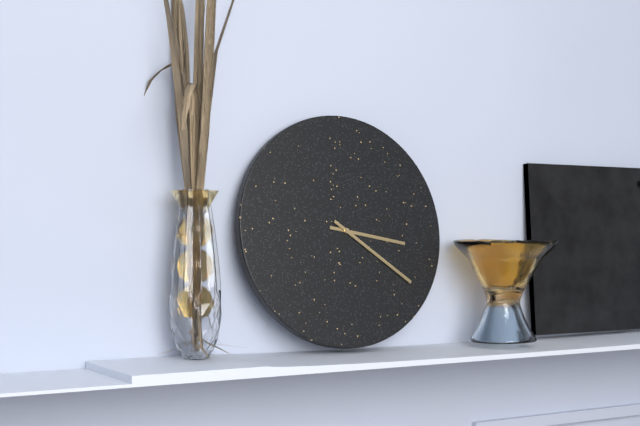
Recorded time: **3:21**
